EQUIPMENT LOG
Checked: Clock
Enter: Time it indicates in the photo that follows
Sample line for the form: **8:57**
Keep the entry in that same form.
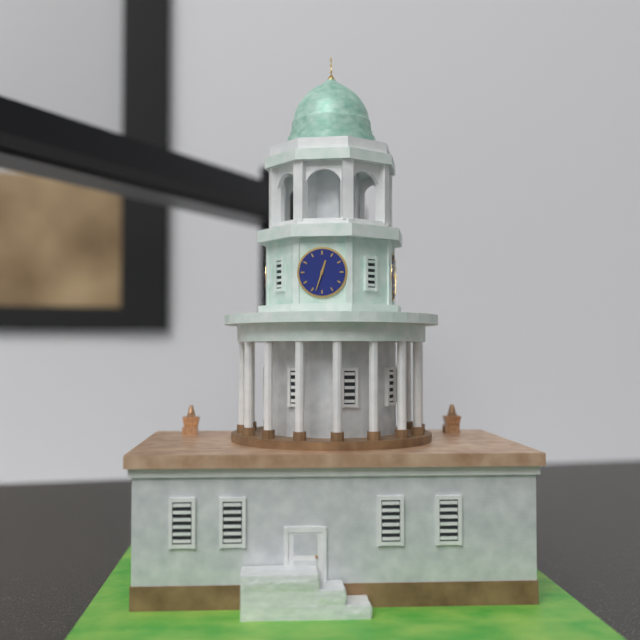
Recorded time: **12:33**
